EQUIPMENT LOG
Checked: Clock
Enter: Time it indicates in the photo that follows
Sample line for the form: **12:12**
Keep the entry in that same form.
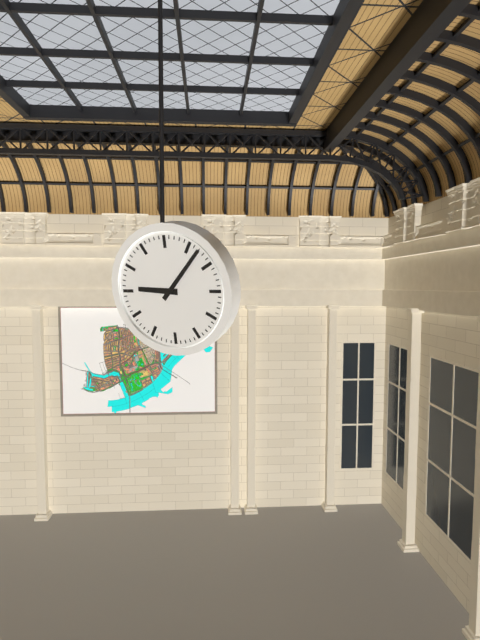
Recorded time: **9:07**
